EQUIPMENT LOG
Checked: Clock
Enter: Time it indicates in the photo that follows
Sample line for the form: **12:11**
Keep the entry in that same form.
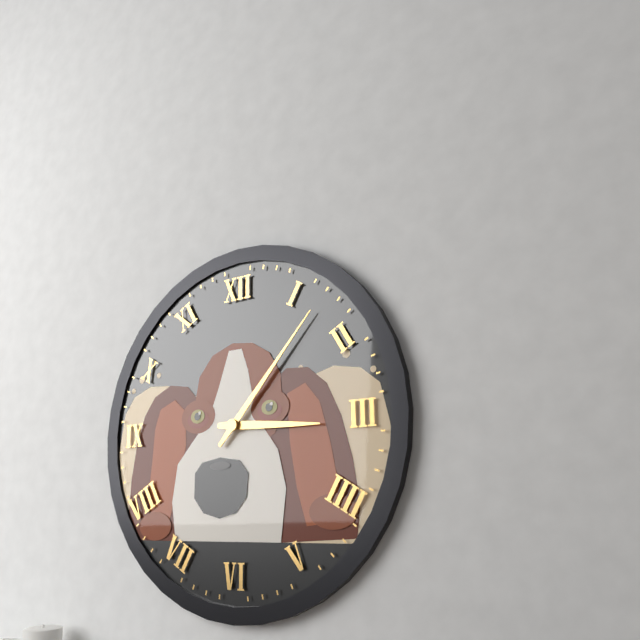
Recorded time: **3:07**
